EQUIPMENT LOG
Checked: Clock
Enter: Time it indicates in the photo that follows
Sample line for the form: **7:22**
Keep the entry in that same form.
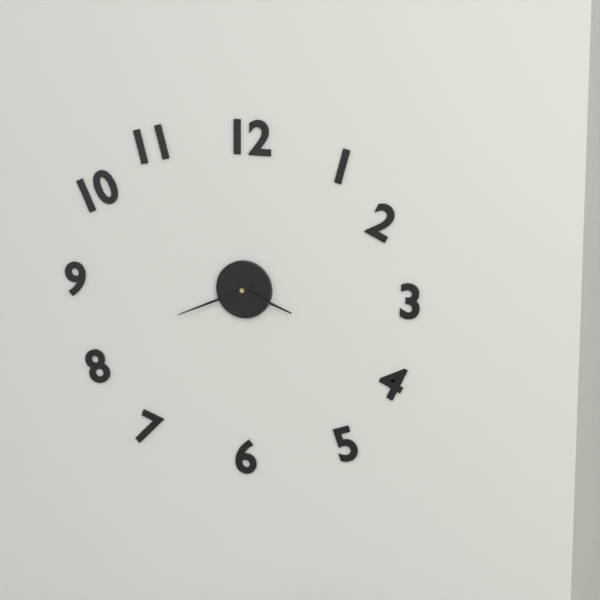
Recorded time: **3:41**
